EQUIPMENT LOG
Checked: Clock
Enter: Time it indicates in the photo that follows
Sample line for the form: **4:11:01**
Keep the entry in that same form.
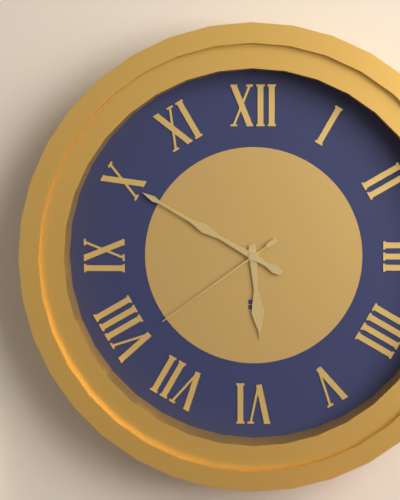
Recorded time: **5:50:39**
